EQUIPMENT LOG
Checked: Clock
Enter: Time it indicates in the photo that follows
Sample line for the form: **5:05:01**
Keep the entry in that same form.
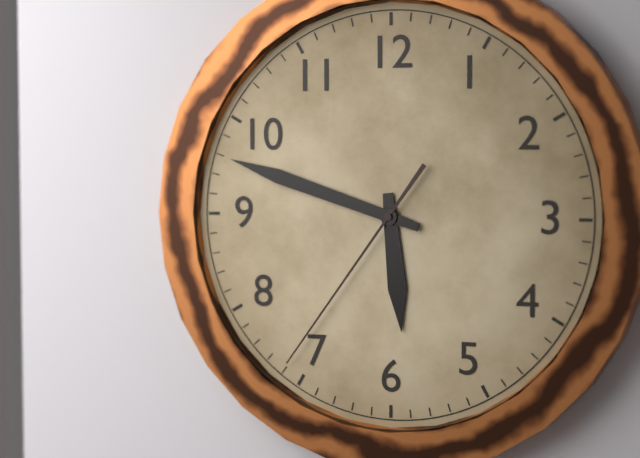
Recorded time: **5:48:36**
